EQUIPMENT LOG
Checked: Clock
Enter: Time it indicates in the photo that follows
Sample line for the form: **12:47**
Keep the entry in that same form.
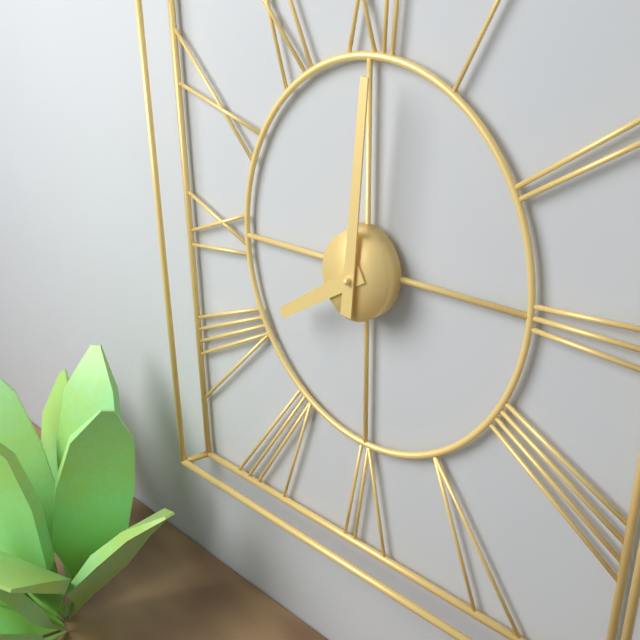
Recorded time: **8:01**
